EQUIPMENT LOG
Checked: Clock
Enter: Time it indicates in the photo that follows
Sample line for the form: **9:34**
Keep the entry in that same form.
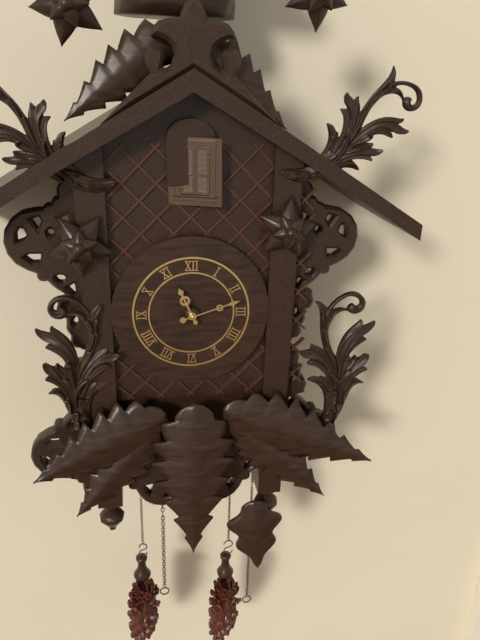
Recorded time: **11:12**
